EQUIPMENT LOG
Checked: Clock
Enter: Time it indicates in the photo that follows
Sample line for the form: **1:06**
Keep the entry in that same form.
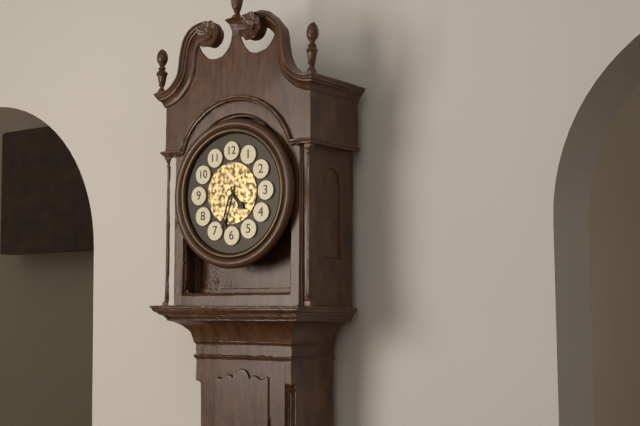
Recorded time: **4:33**
